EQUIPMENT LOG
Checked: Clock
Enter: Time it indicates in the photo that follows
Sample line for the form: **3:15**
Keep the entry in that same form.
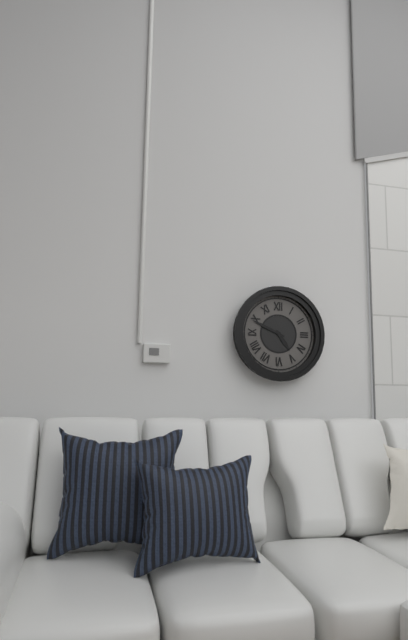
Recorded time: **4:49**
